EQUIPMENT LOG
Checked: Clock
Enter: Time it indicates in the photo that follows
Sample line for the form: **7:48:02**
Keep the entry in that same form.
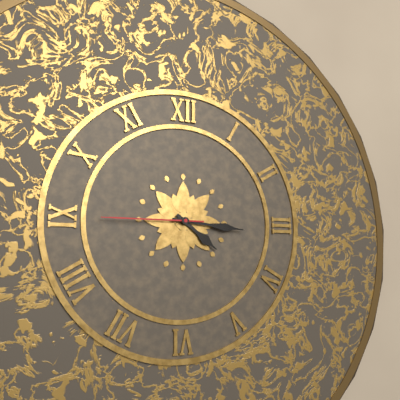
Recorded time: **4:16:45**
